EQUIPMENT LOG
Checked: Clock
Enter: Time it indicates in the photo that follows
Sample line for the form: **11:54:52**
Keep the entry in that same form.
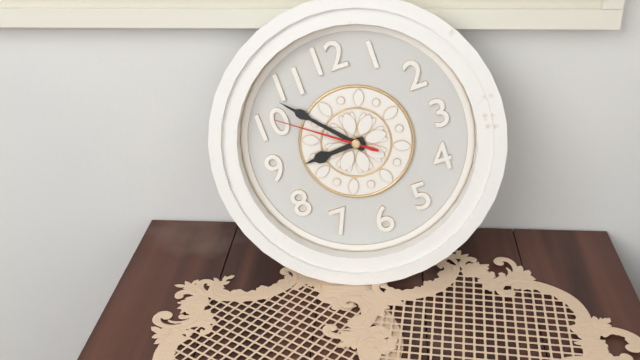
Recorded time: **8:53:51**
